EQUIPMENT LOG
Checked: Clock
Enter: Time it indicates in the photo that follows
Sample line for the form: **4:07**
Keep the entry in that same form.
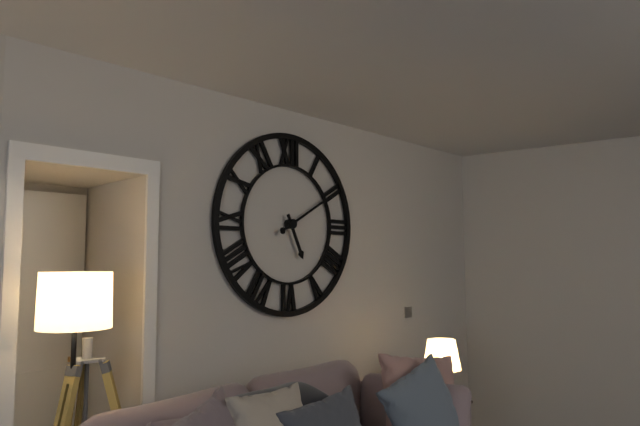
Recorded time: **5:10**
